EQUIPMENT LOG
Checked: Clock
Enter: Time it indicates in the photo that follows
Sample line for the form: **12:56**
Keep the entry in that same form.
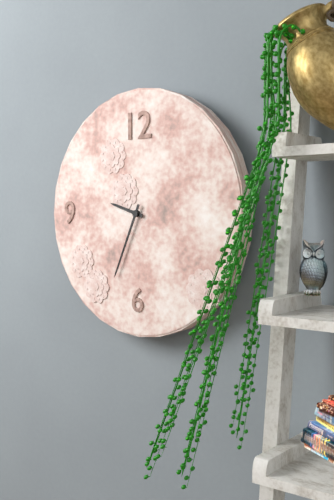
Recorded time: **9:34**
